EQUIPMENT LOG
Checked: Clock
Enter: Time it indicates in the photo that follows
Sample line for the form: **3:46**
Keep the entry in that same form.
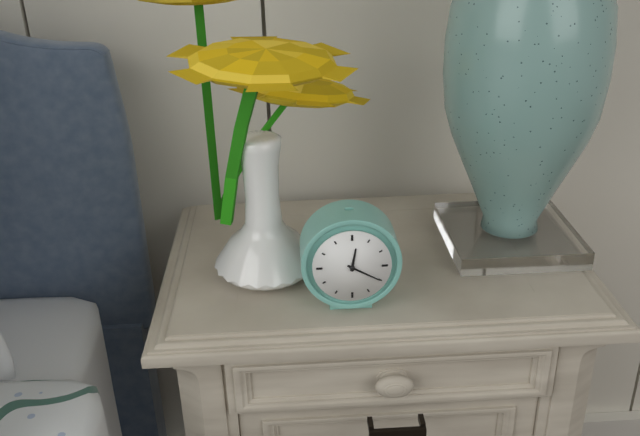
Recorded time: **12:20**
